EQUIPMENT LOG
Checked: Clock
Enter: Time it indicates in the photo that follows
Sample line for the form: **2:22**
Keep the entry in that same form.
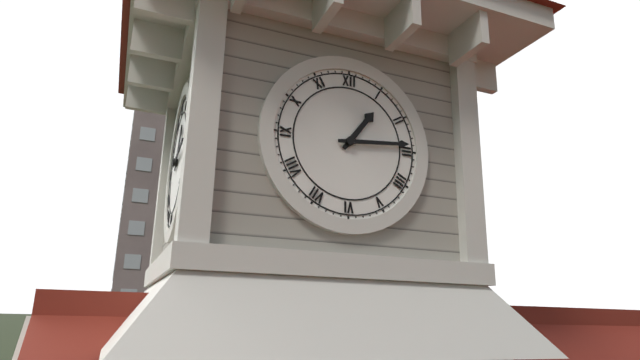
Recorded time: **1:14**
